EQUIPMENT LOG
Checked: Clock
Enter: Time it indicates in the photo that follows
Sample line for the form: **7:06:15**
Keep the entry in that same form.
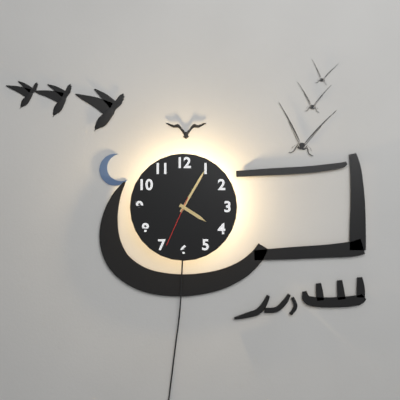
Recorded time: **4:05:34**
